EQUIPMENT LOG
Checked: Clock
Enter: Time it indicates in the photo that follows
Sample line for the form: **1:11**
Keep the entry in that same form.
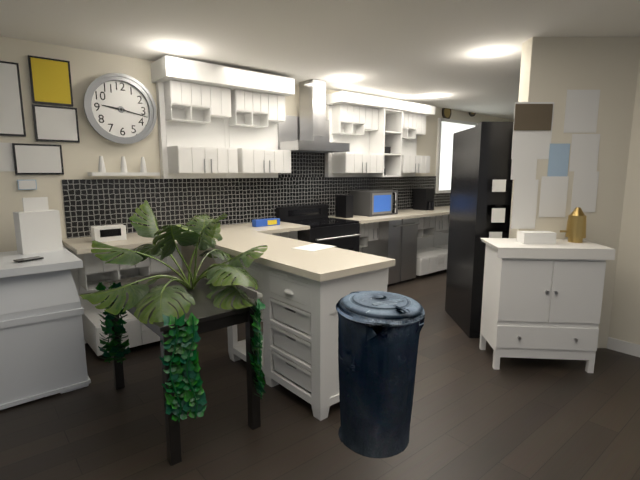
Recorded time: **9:17**
